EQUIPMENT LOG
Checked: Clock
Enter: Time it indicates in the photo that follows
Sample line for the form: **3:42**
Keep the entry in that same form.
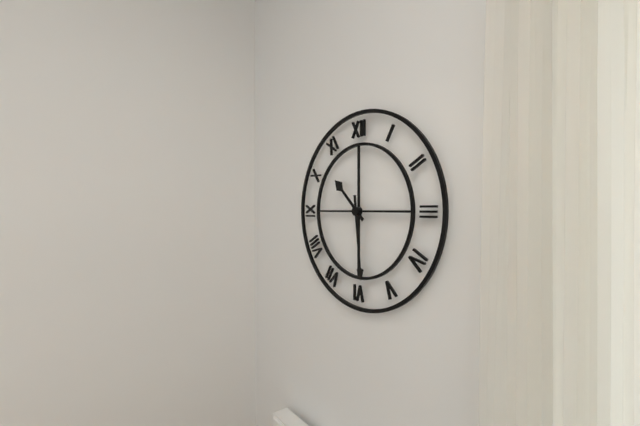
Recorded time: **10:29**
